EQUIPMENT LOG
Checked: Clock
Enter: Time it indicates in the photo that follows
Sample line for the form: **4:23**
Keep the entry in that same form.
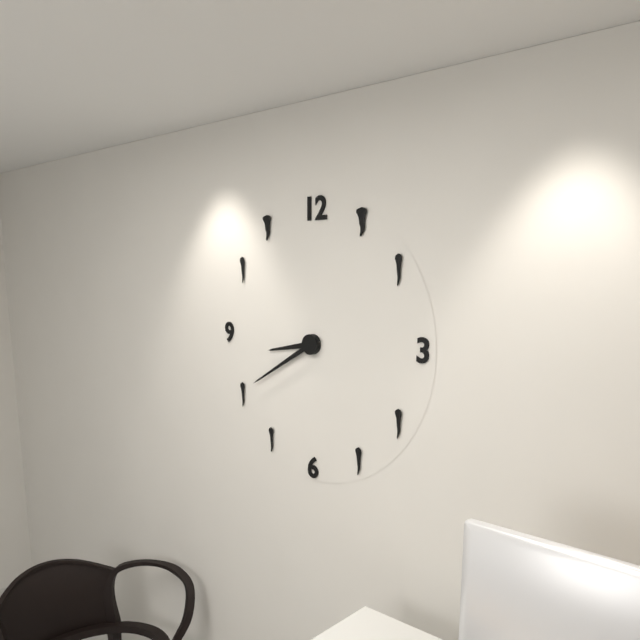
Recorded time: **8:40**
